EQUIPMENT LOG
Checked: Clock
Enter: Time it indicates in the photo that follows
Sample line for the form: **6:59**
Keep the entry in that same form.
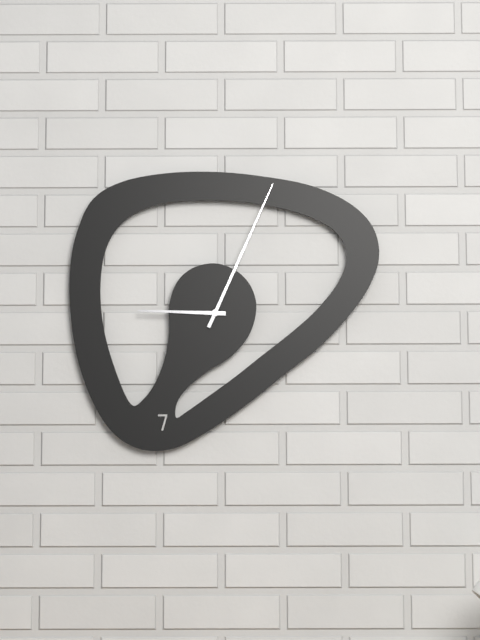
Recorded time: **9:04**
